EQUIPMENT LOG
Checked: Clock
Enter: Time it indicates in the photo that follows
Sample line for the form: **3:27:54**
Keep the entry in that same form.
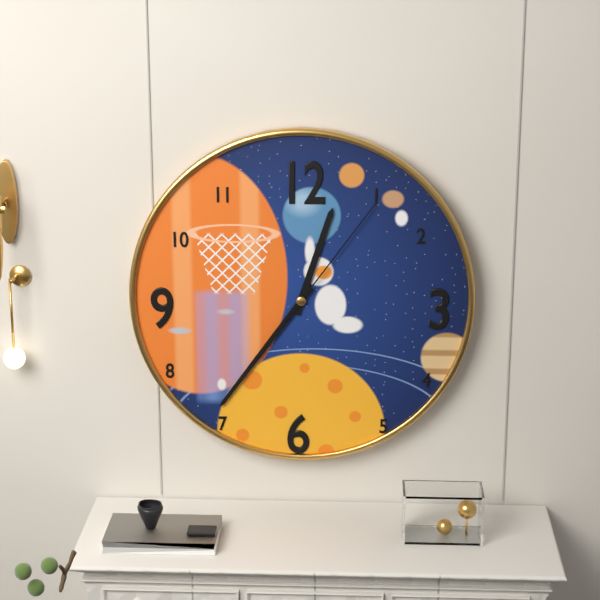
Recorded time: **12:36:06**
